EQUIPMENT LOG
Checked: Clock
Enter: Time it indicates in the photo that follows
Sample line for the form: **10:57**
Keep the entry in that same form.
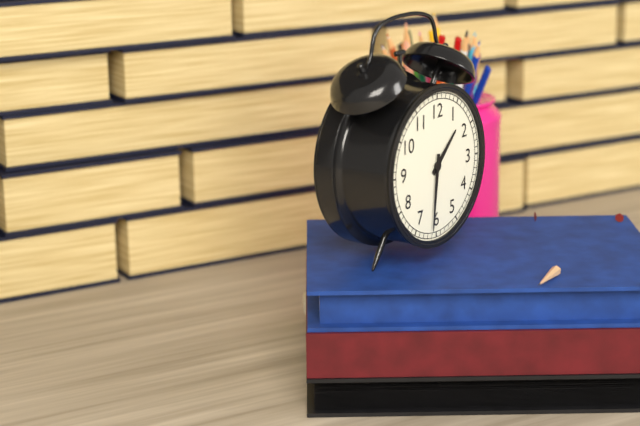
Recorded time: **1:31**
